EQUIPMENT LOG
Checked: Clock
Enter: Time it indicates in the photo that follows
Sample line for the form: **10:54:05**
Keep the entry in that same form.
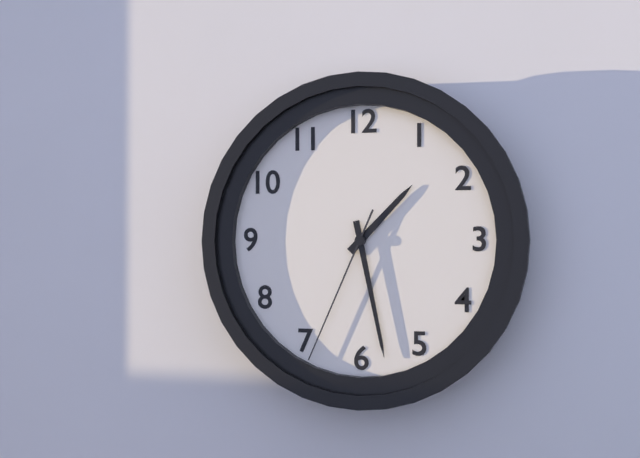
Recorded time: **1:28:34**
